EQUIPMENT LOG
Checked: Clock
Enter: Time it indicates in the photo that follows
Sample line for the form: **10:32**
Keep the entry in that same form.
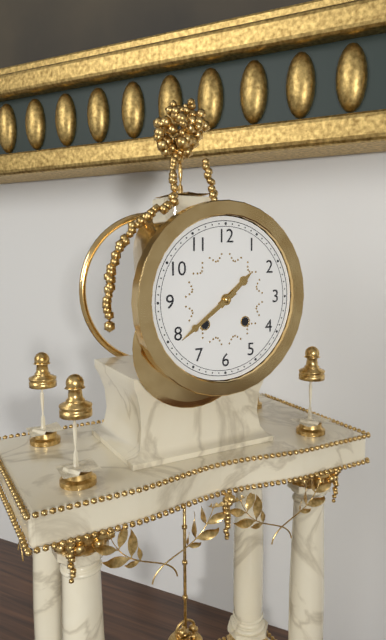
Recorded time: **1:39**
